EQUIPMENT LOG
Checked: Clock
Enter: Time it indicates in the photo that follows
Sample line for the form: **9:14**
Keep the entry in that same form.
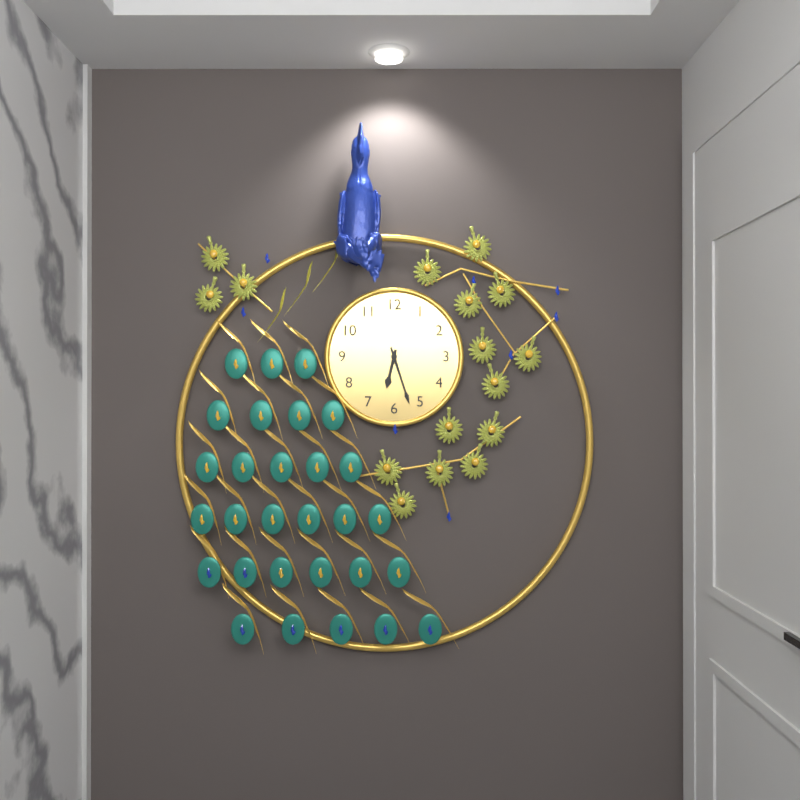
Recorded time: **6:27**
